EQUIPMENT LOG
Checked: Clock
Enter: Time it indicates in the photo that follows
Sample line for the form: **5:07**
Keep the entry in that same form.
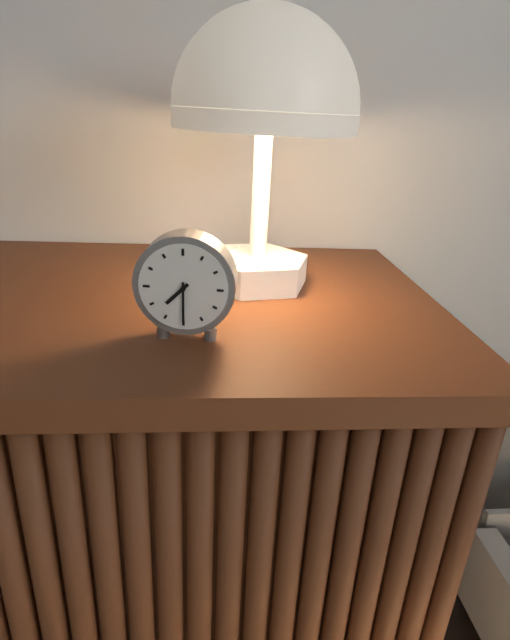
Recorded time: **7:30**
